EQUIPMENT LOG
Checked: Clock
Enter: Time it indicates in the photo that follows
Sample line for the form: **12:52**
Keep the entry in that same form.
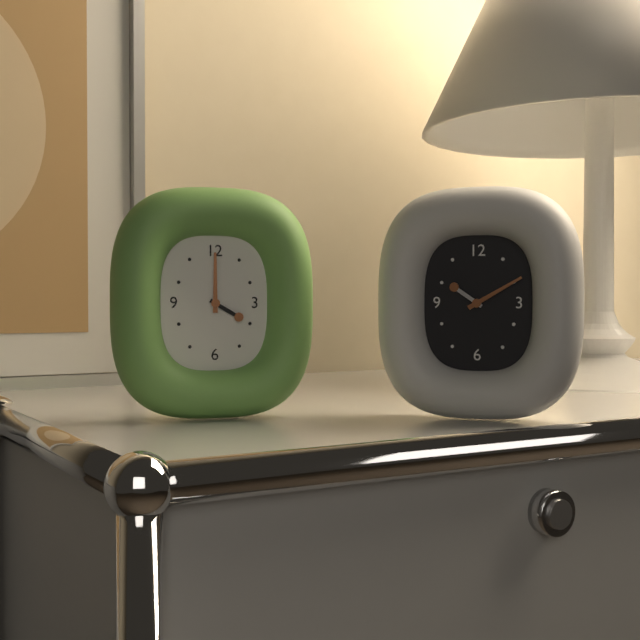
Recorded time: **4:00**
